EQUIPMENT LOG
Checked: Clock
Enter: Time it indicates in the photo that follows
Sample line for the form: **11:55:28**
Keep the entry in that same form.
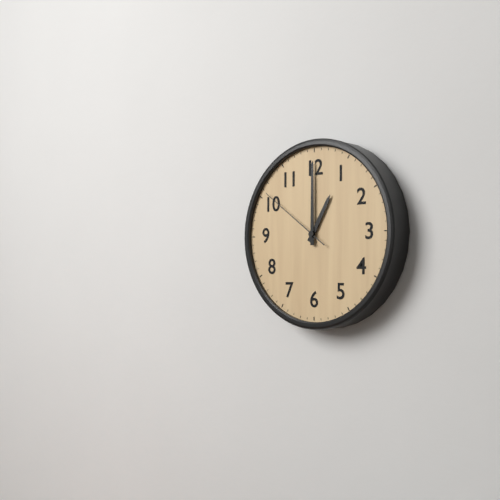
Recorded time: **1:00:51**
